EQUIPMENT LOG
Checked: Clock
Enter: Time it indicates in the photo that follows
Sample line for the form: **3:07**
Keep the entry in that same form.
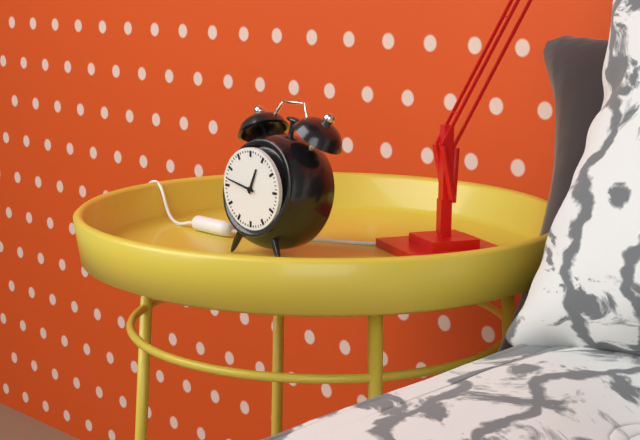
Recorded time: **12:47**
